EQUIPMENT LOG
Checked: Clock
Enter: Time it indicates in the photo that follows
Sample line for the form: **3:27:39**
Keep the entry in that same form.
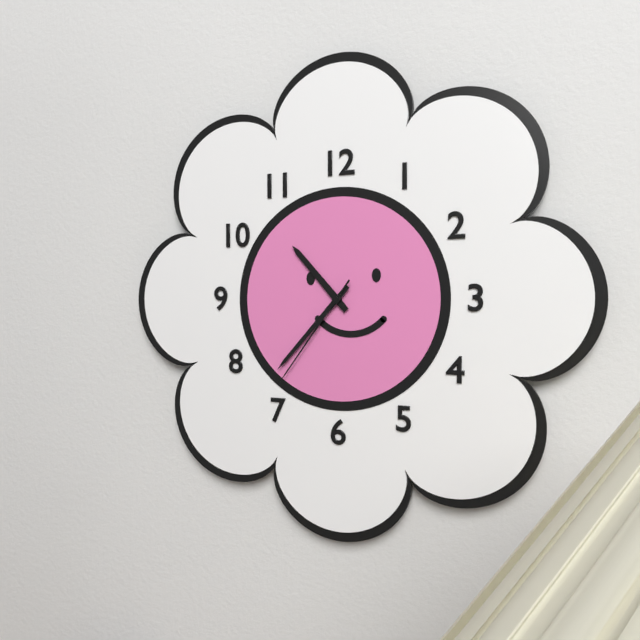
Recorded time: **10:37:36**
